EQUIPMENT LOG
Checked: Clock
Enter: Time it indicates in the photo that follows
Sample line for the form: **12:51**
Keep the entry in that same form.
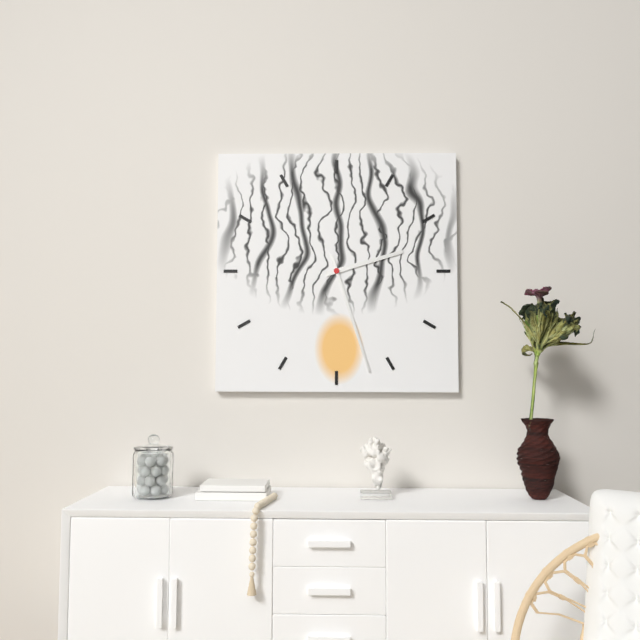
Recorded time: **2:27**
